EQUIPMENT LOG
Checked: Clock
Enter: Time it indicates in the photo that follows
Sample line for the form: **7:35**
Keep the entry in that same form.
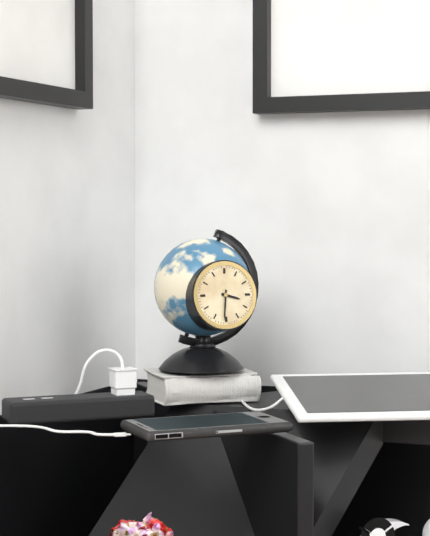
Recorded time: **3:31**
